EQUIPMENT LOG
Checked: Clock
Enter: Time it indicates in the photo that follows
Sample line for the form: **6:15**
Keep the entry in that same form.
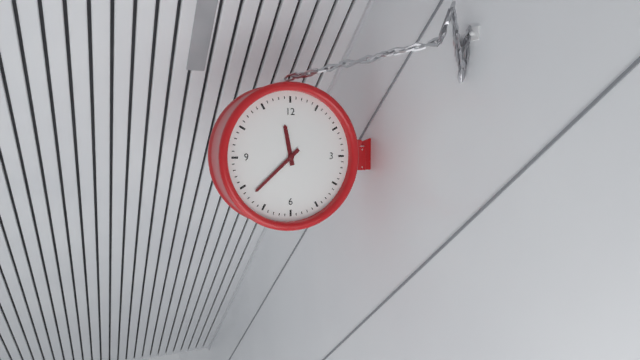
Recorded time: **11:38**
